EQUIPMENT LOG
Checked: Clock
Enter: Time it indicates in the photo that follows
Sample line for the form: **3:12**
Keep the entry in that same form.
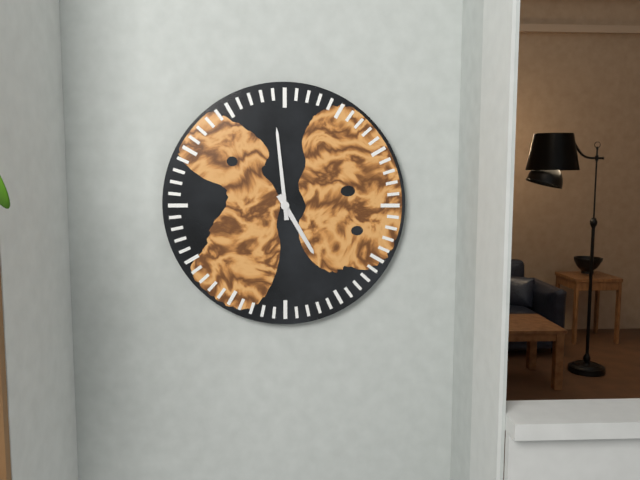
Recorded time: **4:59**
